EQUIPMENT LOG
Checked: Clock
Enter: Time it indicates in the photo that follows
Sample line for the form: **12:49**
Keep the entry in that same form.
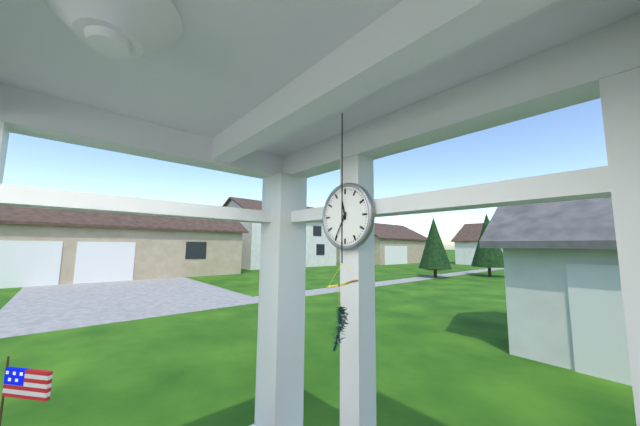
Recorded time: **11:35**
